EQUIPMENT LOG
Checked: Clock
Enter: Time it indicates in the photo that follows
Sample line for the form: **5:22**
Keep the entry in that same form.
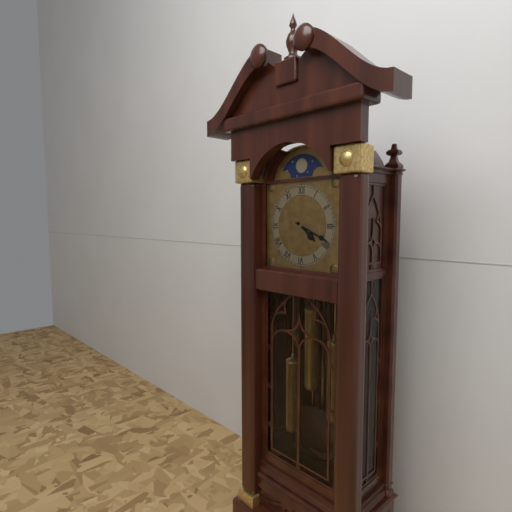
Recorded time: **4:19**
